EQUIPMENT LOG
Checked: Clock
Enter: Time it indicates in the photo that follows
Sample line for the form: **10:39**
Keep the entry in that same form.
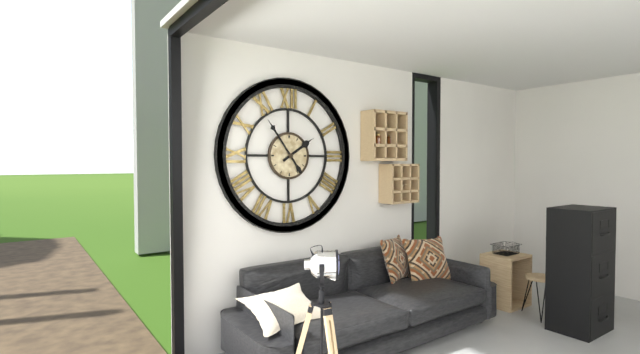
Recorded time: **1:54**
